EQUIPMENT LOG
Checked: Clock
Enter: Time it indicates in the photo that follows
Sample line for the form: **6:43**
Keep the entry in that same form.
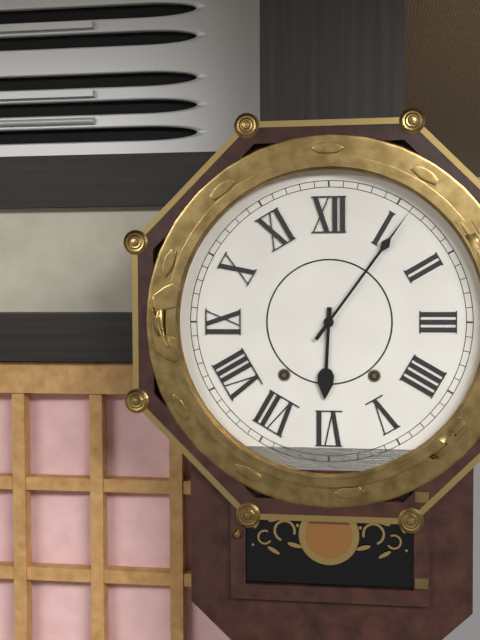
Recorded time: **6:06**
